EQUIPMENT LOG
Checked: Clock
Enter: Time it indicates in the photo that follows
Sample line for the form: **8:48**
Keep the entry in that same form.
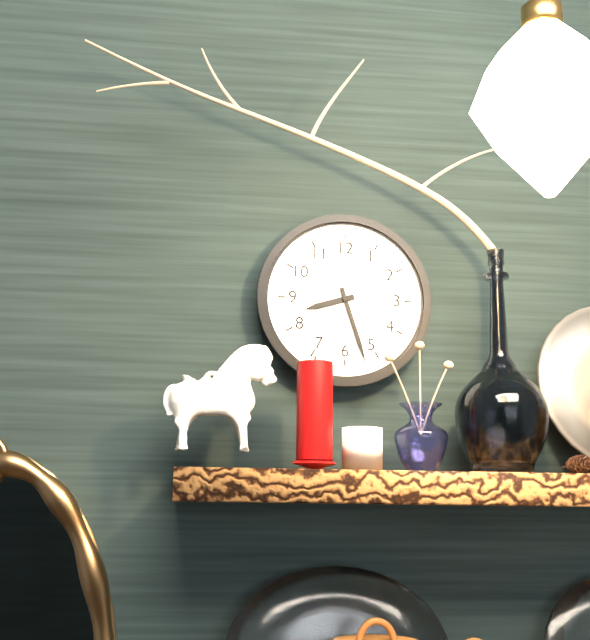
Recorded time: **8:27**
